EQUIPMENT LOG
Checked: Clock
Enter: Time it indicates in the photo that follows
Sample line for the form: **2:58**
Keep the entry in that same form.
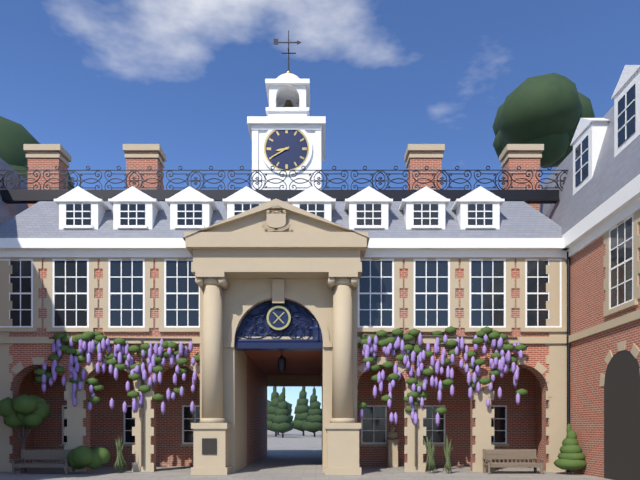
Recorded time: **8:40**
